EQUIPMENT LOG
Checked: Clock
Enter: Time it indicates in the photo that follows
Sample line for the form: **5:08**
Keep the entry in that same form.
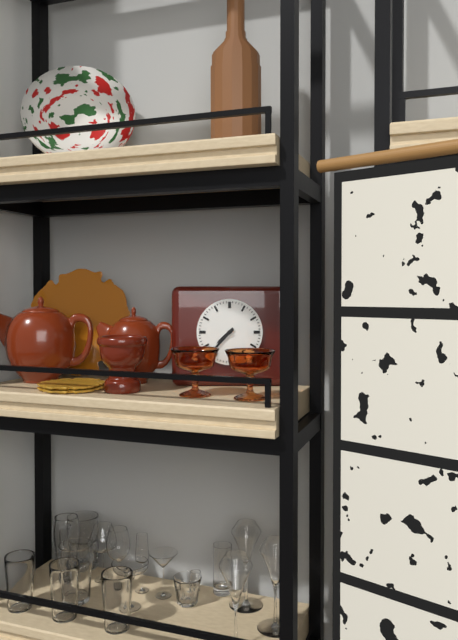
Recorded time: **7:37**
